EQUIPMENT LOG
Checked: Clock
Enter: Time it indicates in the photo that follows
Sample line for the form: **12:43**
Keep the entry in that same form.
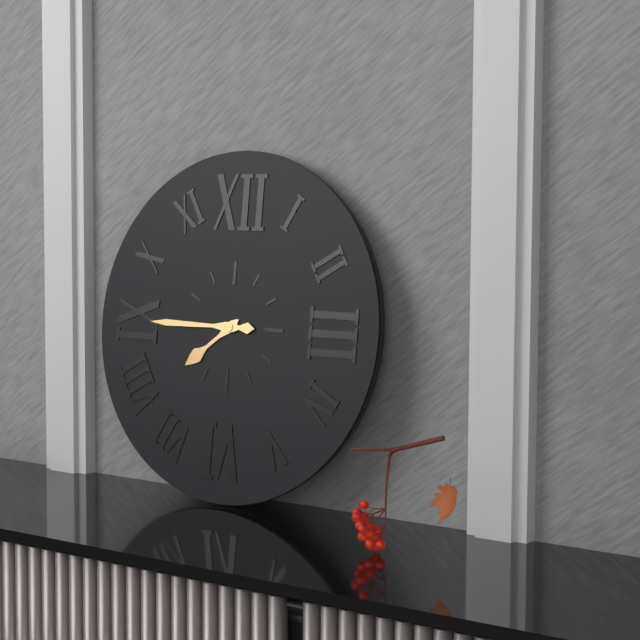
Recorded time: **7:45**
